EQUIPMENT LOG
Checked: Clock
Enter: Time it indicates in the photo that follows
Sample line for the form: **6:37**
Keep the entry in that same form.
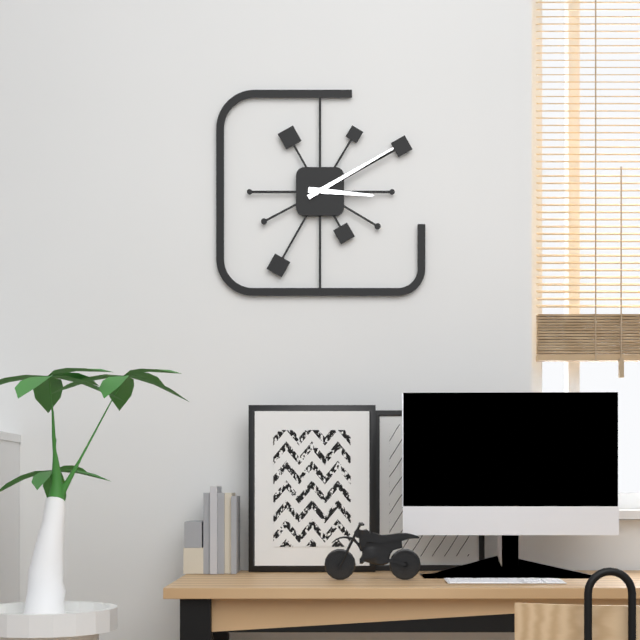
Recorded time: **3:10**
